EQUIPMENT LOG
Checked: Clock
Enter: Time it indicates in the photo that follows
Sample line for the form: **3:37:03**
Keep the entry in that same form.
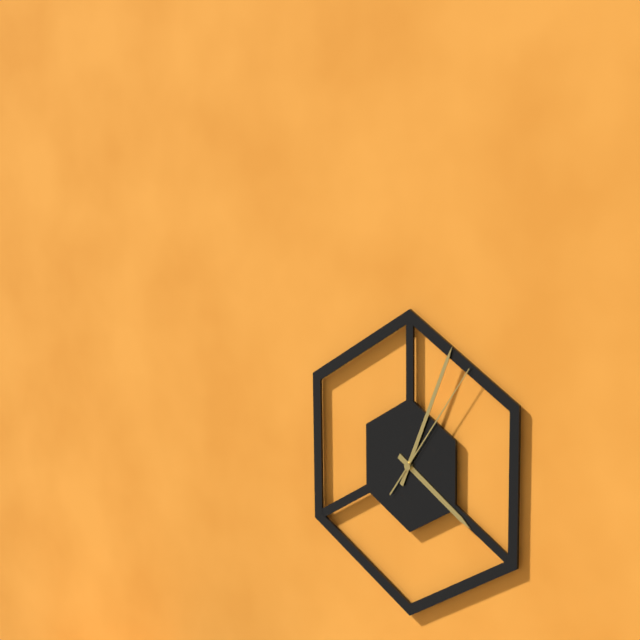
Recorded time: **4:04:06**
